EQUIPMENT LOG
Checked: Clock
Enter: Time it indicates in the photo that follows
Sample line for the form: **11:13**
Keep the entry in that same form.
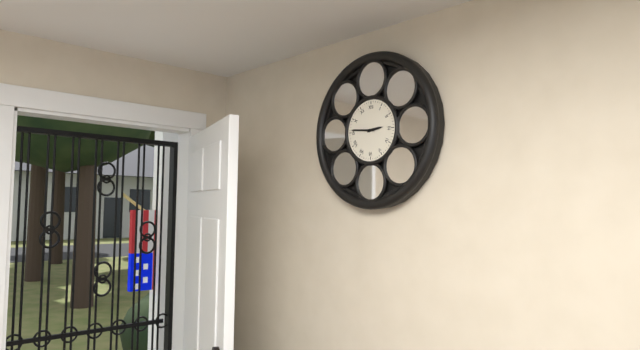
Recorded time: **2:46**
